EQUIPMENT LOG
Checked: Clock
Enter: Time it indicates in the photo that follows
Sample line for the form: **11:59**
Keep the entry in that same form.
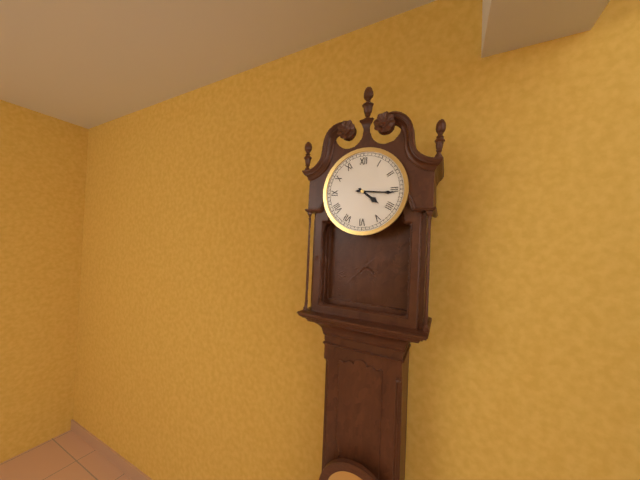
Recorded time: **4:16**
